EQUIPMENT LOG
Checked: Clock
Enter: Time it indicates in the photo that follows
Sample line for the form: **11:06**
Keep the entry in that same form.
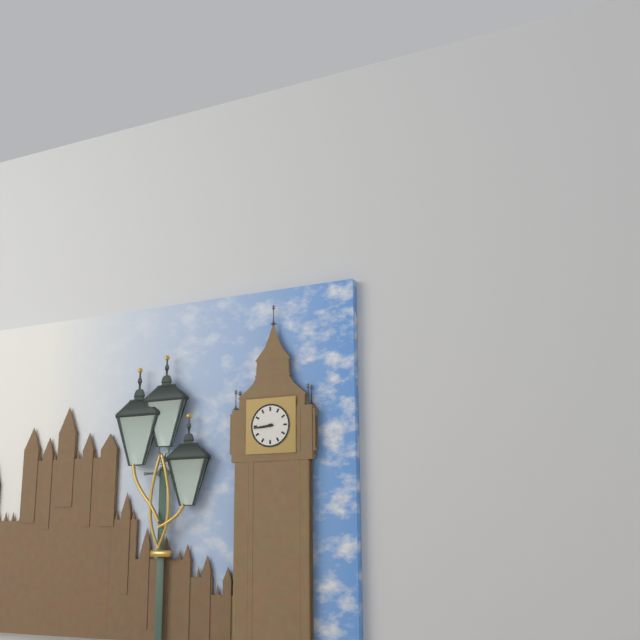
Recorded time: **8:44**
